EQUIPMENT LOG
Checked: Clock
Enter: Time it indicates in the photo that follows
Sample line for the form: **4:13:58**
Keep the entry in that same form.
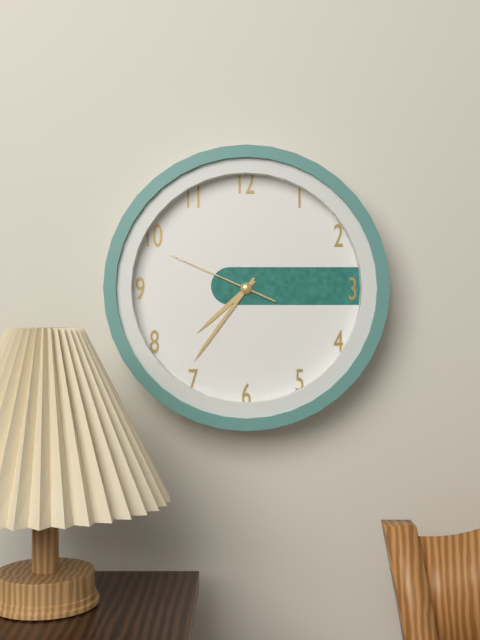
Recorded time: **7:36:49**
